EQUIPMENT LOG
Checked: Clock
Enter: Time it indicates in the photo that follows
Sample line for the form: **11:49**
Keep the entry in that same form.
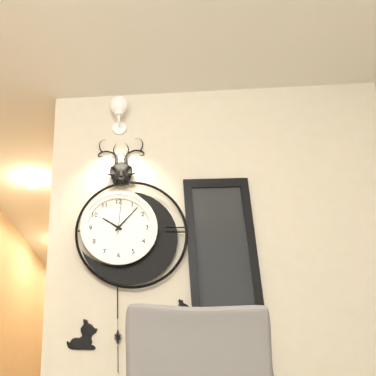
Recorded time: **10:07**
